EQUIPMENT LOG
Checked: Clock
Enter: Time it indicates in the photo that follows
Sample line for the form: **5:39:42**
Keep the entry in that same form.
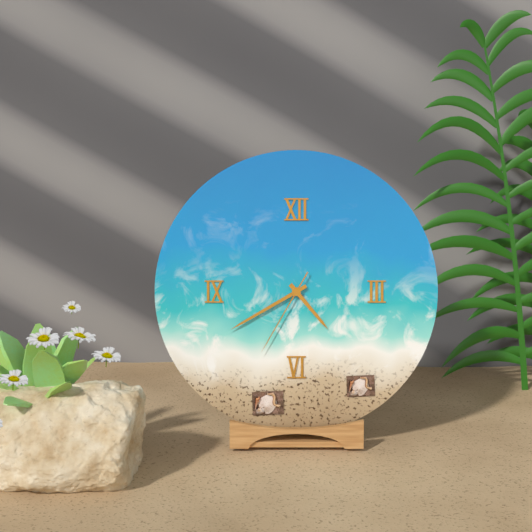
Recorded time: **4:40:35**
